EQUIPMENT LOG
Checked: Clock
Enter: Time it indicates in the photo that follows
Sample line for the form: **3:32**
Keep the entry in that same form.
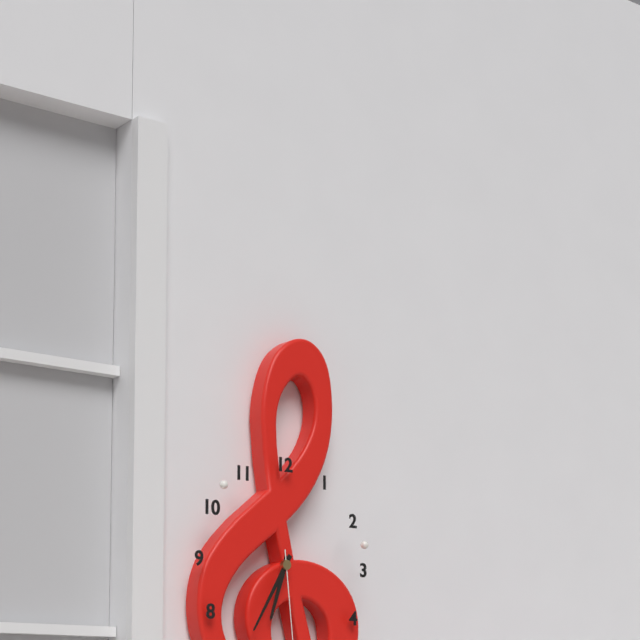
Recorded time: **6:35**
